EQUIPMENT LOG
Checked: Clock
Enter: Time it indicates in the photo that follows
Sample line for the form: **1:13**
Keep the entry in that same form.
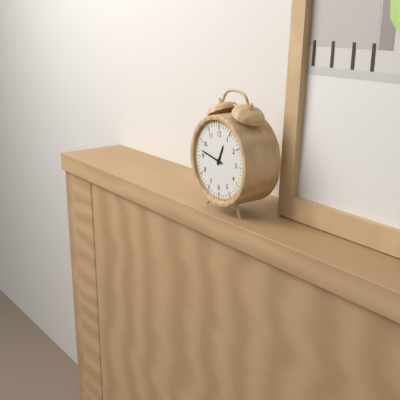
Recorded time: **12:47**
